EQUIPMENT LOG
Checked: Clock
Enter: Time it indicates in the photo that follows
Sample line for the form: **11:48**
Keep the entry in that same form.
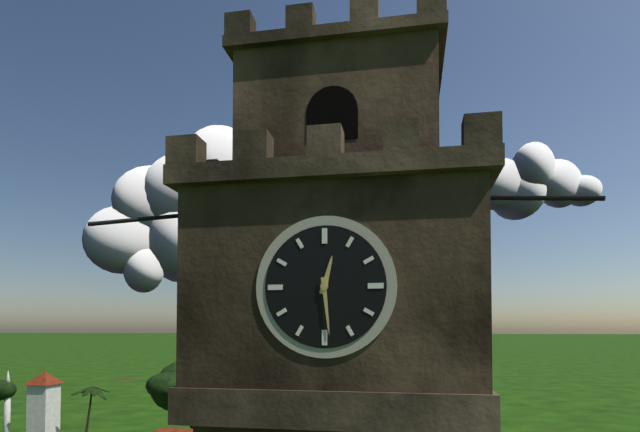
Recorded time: **12:29**
